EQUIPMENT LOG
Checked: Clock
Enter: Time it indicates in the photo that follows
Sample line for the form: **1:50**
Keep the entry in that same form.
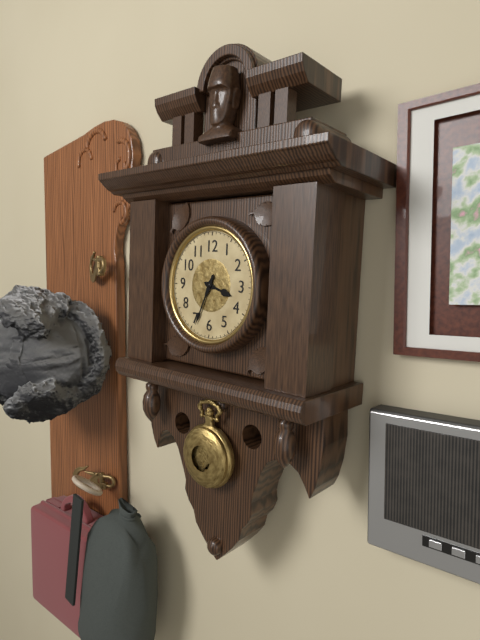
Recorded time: **3:34**
